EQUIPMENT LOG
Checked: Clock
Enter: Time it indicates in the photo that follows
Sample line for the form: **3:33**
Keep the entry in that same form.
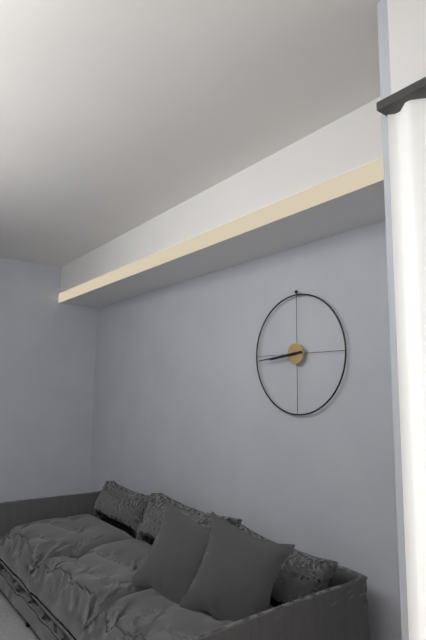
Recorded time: **8:44**
